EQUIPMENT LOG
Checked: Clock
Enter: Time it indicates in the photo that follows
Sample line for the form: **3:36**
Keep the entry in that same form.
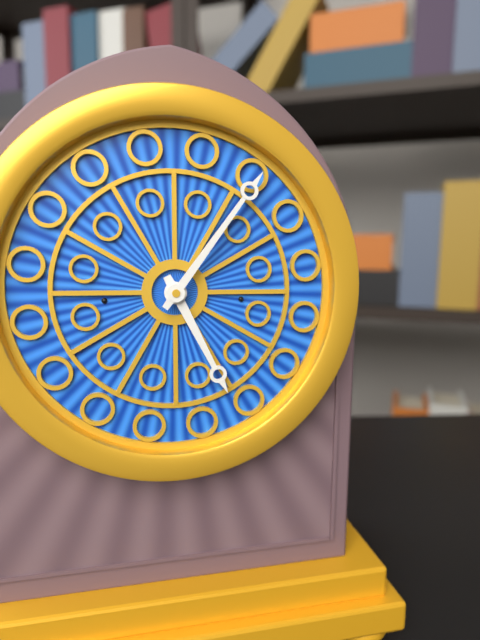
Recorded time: **5:06**
